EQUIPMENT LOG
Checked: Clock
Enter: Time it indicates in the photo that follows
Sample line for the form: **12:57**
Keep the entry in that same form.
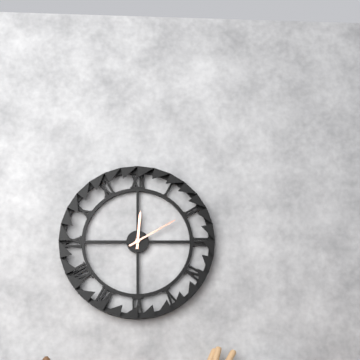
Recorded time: **12:10**
